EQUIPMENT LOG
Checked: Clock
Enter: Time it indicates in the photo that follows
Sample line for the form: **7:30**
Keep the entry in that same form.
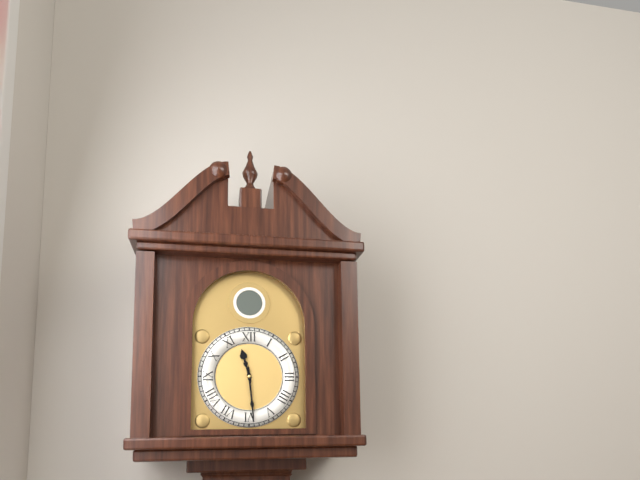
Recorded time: **11:29**
